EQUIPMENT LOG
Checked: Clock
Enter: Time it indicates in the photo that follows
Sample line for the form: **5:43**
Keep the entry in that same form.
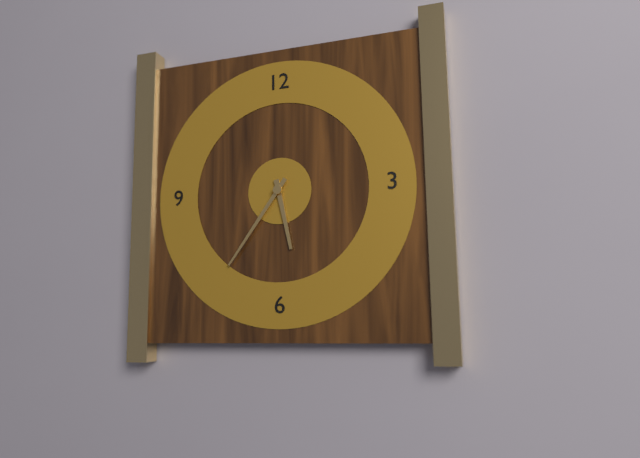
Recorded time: **5:36**
